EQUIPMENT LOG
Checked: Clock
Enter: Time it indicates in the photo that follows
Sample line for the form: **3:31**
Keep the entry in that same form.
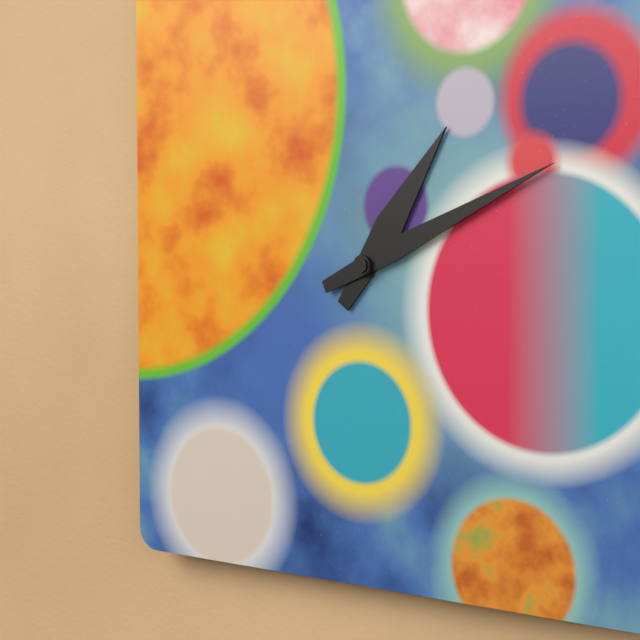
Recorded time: **1:11**
